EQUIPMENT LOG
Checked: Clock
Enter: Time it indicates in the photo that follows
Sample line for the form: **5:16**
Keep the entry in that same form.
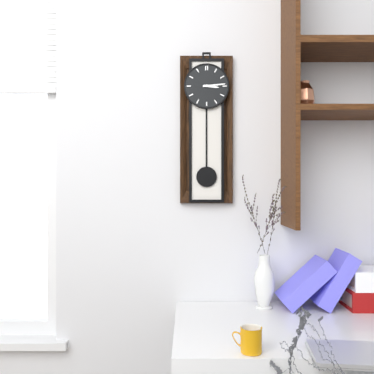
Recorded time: **3:14**
